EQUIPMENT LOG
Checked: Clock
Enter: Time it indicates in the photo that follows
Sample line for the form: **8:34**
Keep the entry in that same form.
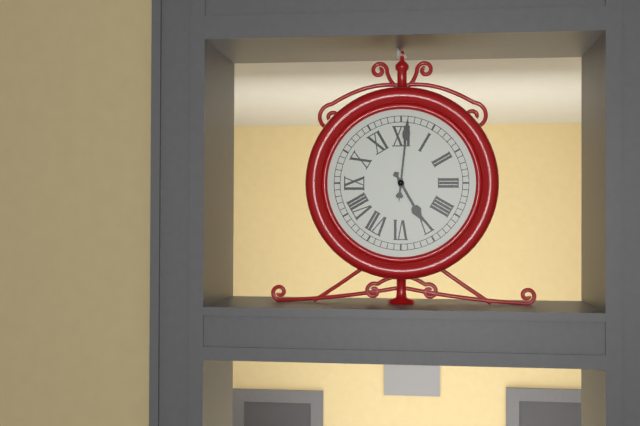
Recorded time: **5:01**
